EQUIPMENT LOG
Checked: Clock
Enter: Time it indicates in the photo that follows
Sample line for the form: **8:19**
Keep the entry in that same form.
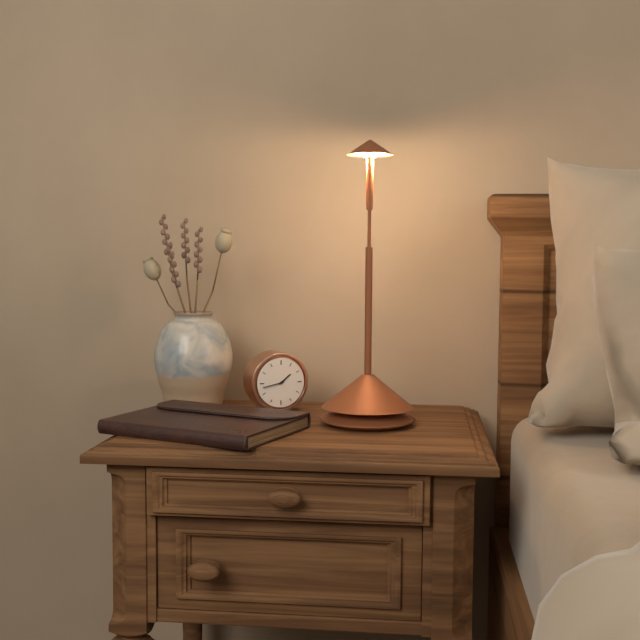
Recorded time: **1:43**
